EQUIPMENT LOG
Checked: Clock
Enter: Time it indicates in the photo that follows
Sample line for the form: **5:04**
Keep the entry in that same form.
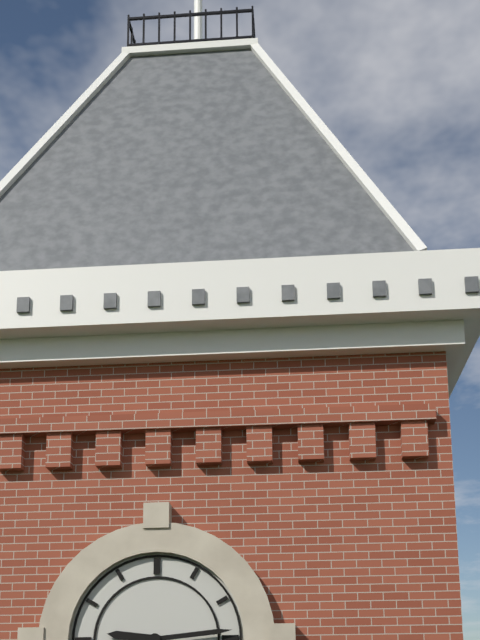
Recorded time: **9:14**
